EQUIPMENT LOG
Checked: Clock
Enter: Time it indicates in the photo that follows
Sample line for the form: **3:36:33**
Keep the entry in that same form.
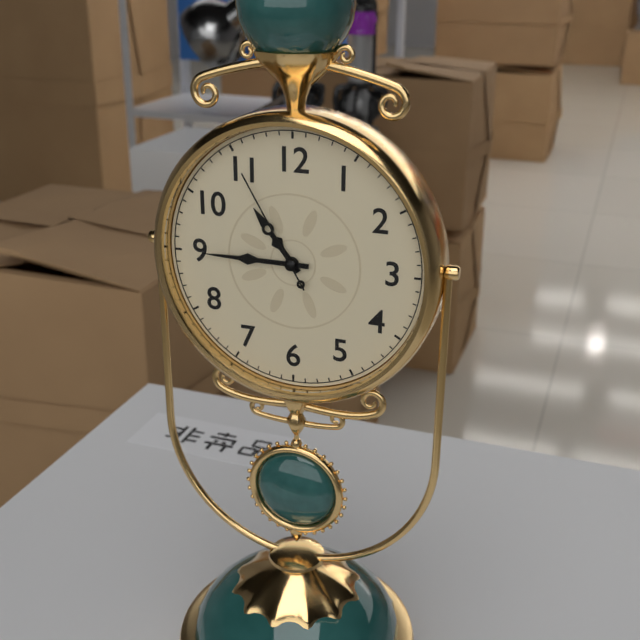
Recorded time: **10:45:55**
